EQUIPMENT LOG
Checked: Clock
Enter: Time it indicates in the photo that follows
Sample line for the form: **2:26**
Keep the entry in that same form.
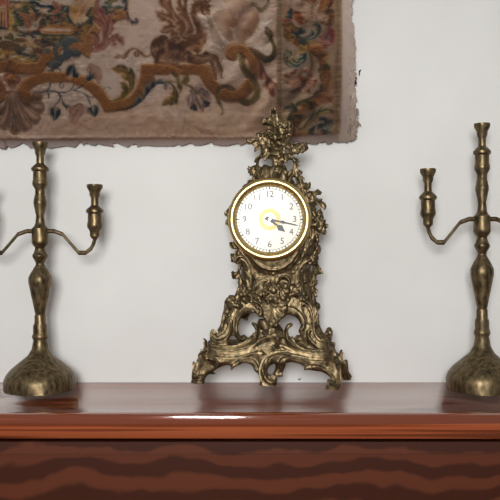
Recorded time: **4:17**
